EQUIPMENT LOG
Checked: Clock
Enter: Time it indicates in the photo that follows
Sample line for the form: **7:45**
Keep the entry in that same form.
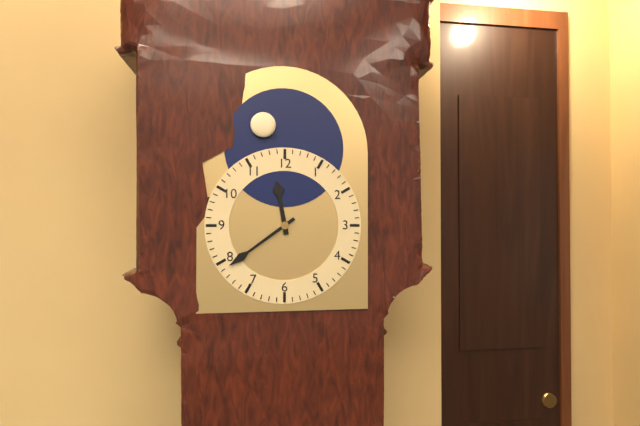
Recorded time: **11:39**
